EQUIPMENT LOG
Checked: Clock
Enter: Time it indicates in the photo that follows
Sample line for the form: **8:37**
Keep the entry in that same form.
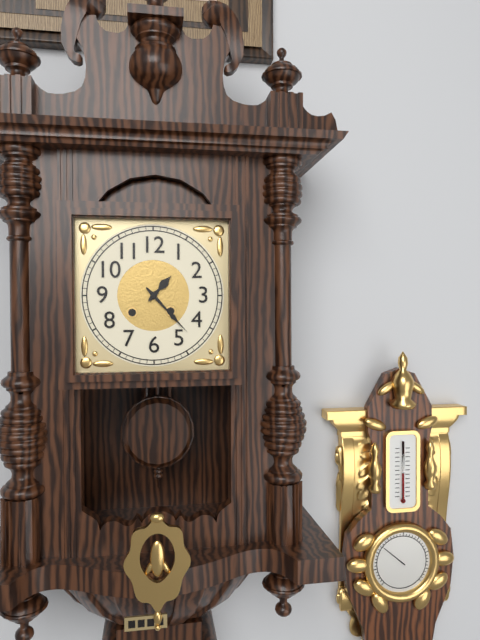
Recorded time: **1:23**
